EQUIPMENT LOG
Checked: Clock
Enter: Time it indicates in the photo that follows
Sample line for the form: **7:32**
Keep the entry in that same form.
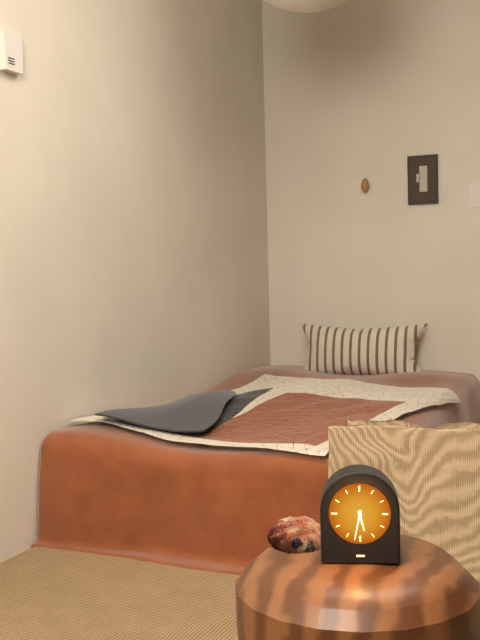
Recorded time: **5:32**
